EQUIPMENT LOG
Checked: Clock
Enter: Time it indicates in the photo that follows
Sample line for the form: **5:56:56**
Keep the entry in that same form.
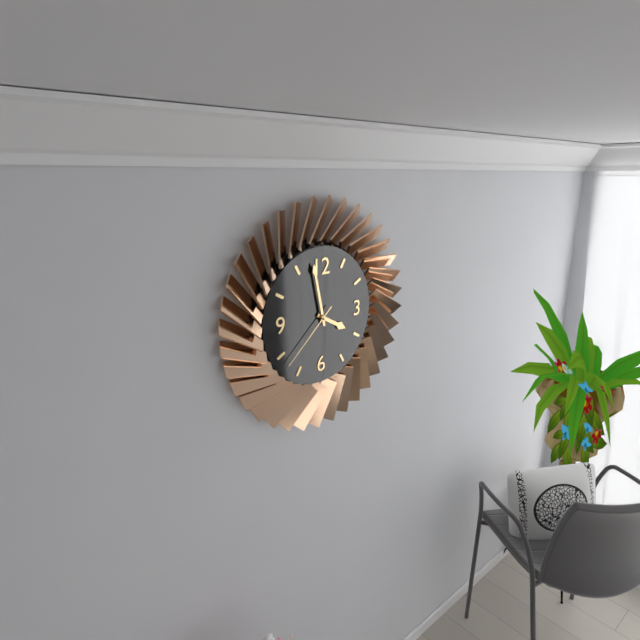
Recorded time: **3:58:38**
